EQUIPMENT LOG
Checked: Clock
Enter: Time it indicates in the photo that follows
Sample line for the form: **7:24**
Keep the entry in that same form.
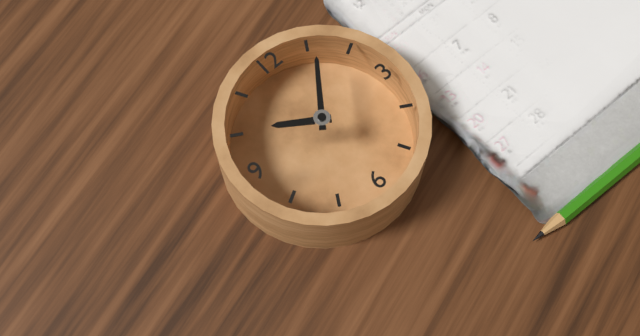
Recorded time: **10:06**
